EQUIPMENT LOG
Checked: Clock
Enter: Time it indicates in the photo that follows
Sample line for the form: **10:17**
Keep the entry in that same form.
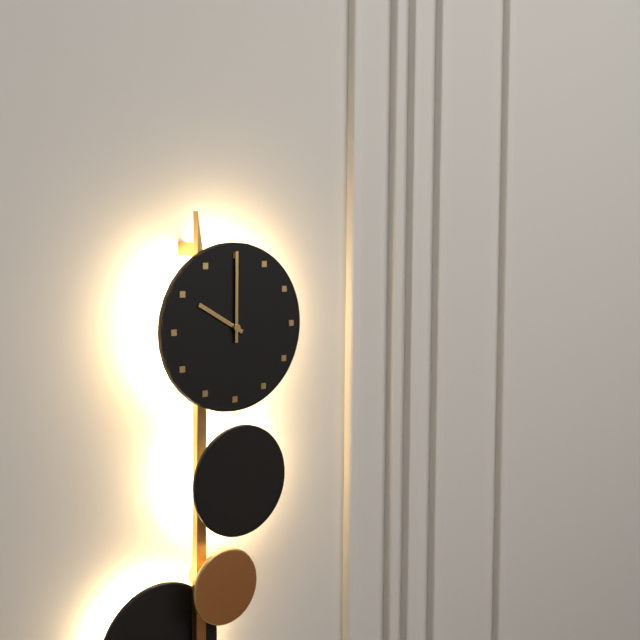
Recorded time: **10:00**
